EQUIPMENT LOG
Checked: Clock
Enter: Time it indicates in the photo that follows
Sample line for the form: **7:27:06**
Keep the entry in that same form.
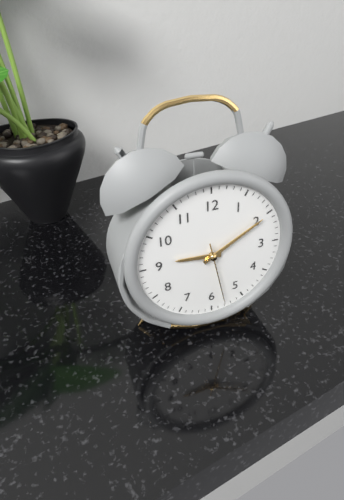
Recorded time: **9:10:28**
